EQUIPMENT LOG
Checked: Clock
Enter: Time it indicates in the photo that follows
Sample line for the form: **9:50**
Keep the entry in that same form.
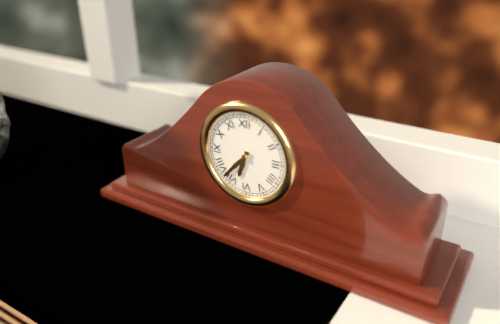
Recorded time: **6:37**
